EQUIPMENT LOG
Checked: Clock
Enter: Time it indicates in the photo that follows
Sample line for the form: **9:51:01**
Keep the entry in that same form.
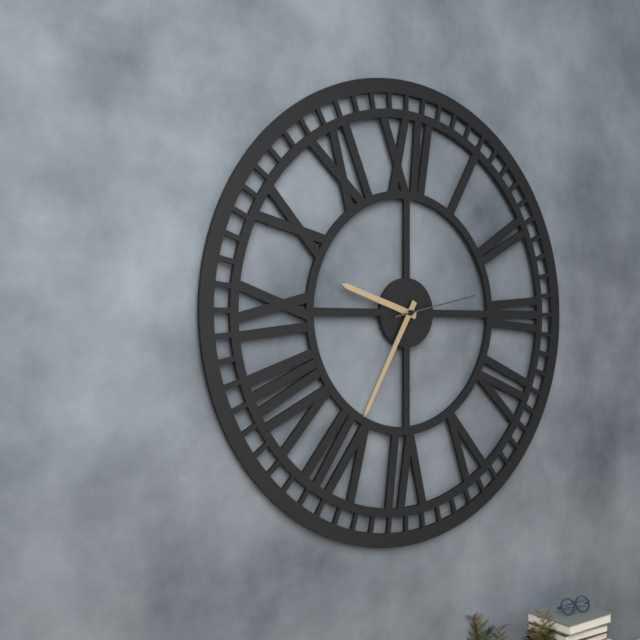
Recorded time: **9:35:13**
